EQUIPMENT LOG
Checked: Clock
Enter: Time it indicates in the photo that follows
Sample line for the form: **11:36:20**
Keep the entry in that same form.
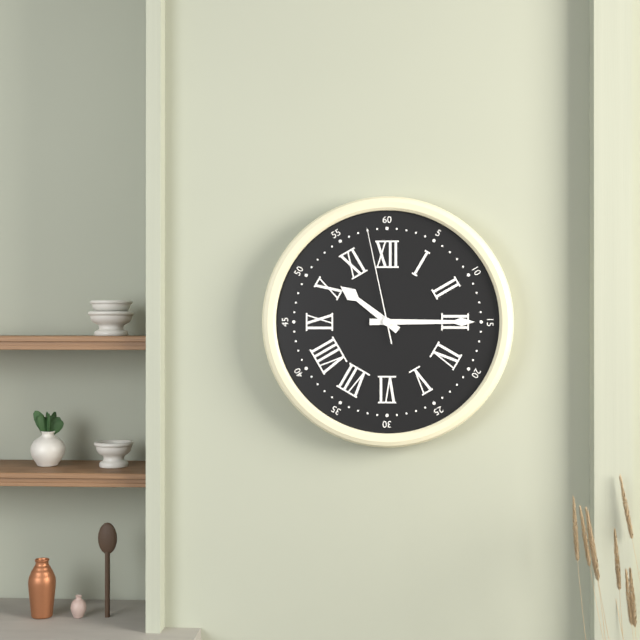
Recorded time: **10:15:58**
